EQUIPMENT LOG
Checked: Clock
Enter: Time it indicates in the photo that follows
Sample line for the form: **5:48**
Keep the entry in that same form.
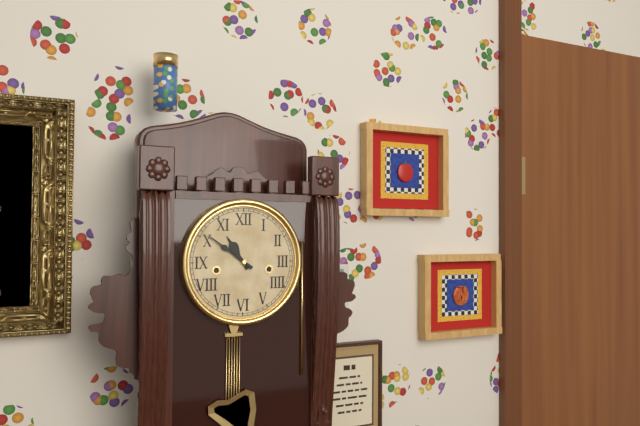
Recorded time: **10:51**
